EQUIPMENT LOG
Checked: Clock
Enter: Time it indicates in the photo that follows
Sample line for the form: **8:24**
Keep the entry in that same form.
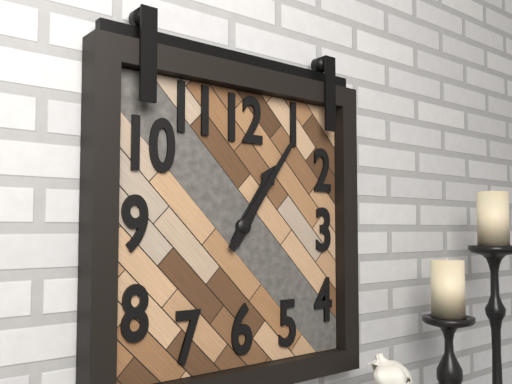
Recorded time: **1:06**
